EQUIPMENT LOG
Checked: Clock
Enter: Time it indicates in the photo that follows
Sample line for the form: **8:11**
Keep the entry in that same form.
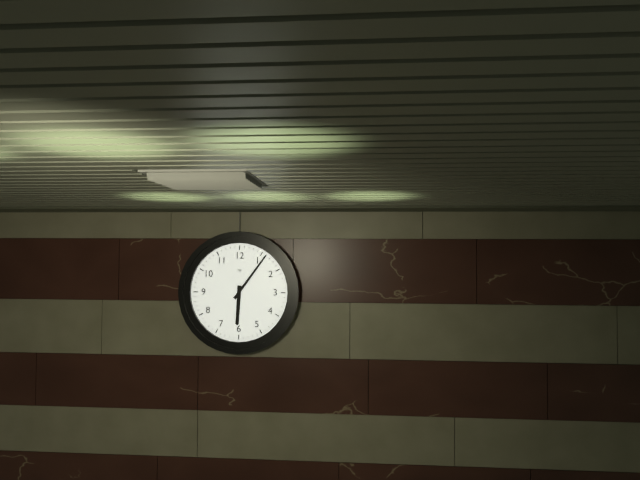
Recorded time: **6:06**
